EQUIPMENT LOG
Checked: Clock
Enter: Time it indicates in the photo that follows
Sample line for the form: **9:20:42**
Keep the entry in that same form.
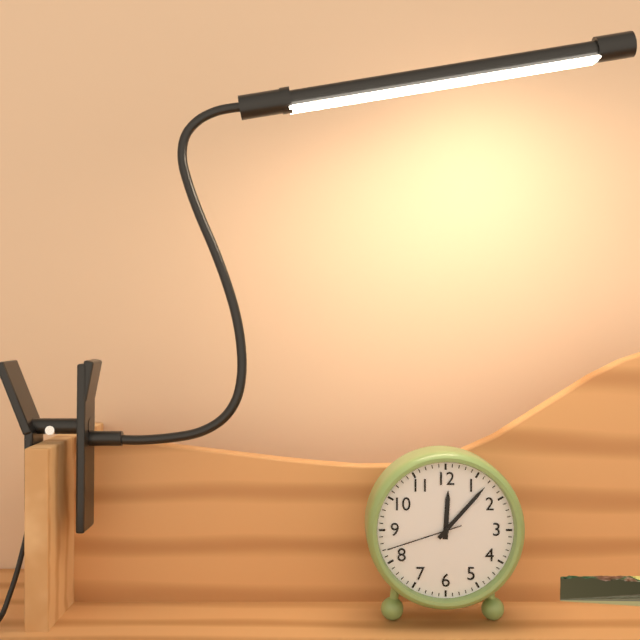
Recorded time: **12:07:42**
